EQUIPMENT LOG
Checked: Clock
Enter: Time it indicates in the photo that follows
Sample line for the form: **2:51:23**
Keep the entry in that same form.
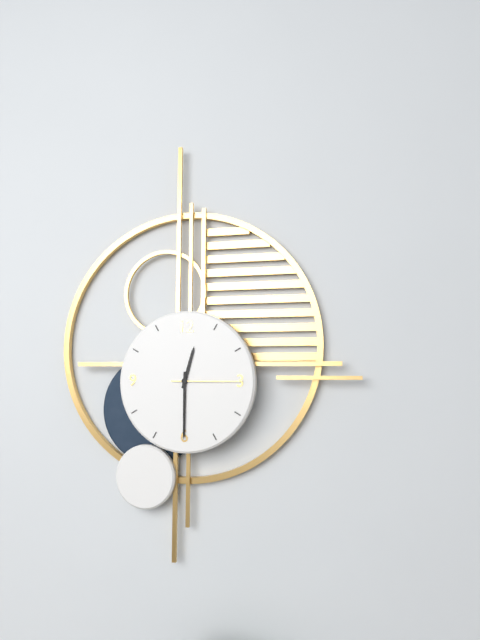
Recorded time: **12:30:15**
